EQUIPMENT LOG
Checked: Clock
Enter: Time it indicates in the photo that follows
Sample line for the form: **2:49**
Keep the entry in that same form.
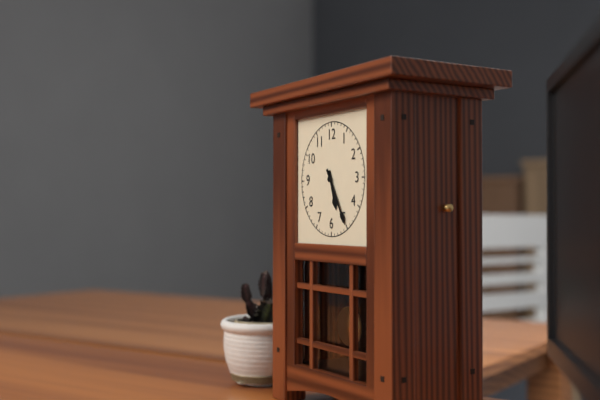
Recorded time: **5:25**
